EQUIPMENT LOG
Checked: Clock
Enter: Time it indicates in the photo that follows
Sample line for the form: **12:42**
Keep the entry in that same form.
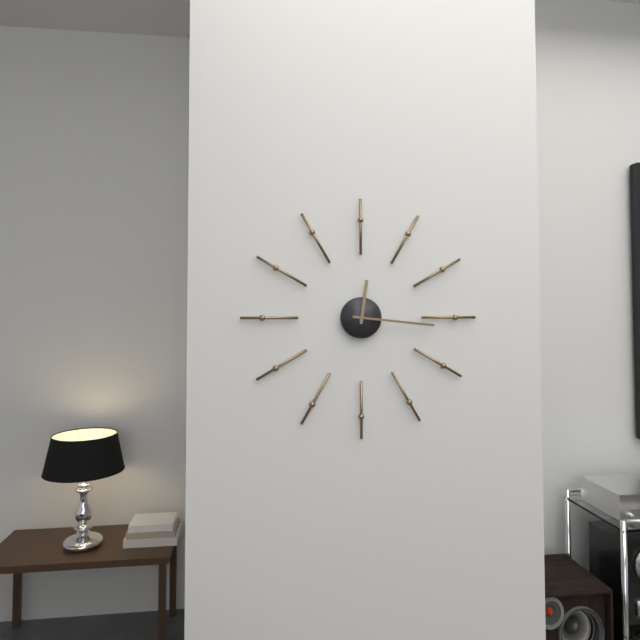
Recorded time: **12:16**
